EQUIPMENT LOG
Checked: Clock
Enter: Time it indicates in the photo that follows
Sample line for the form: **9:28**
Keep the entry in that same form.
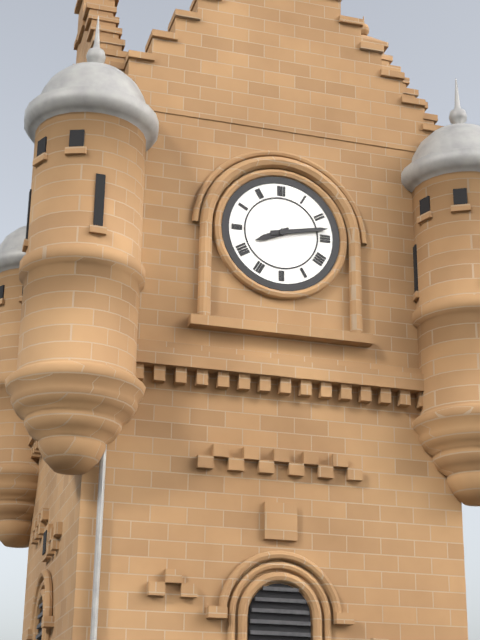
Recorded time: **8:13**
